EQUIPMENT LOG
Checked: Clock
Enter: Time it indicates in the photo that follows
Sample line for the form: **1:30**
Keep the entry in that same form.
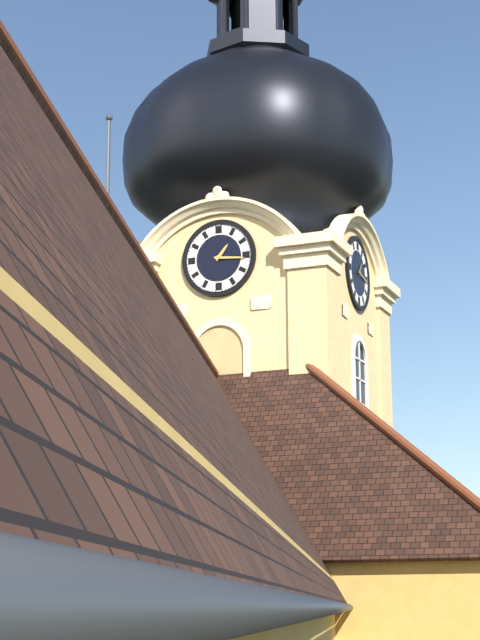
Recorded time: **1:16**
